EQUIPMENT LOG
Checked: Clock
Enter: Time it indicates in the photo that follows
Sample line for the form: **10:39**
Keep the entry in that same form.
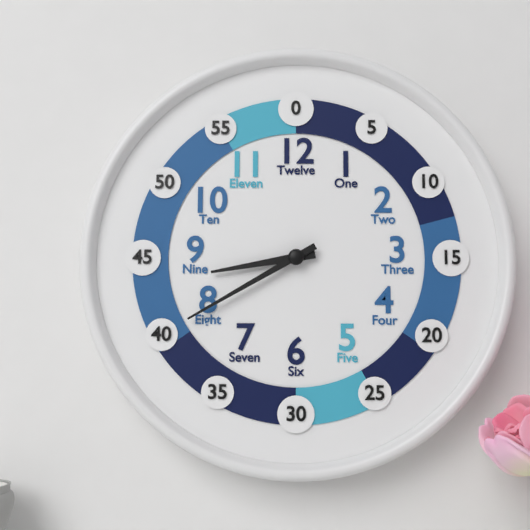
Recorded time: **8:40**
